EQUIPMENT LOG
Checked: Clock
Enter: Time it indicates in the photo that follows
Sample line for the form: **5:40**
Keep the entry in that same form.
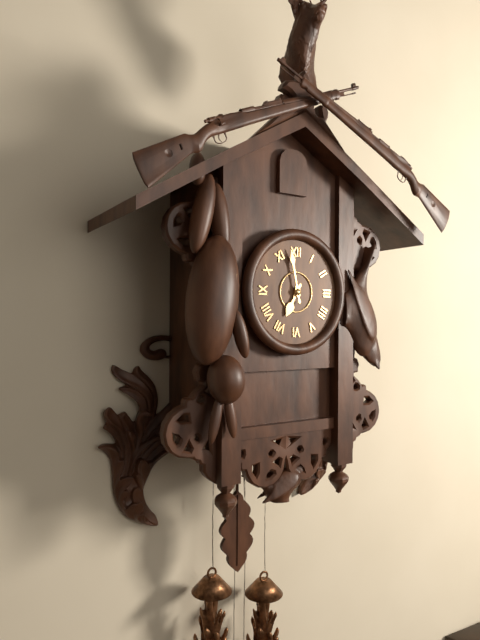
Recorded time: **6:58**
